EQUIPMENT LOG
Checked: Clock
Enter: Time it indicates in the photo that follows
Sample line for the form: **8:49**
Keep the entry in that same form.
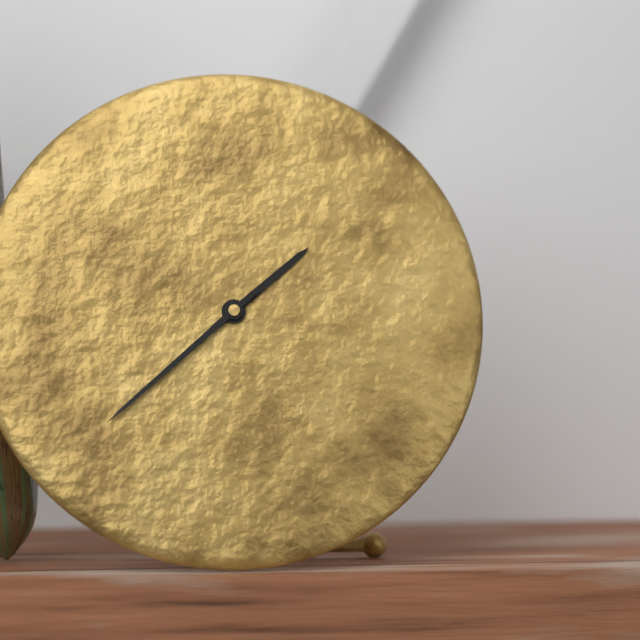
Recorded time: **1:38**
